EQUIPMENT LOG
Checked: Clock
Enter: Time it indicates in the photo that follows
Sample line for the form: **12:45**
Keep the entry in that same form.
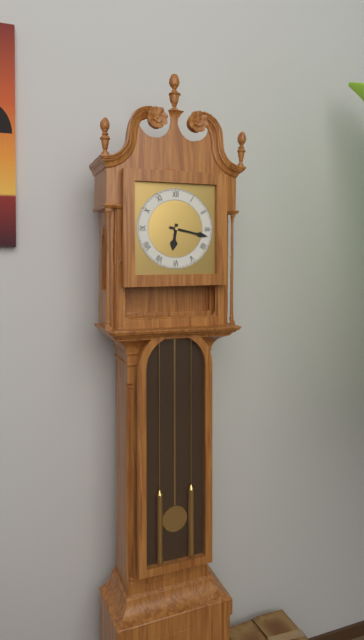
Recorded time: **6:17**
